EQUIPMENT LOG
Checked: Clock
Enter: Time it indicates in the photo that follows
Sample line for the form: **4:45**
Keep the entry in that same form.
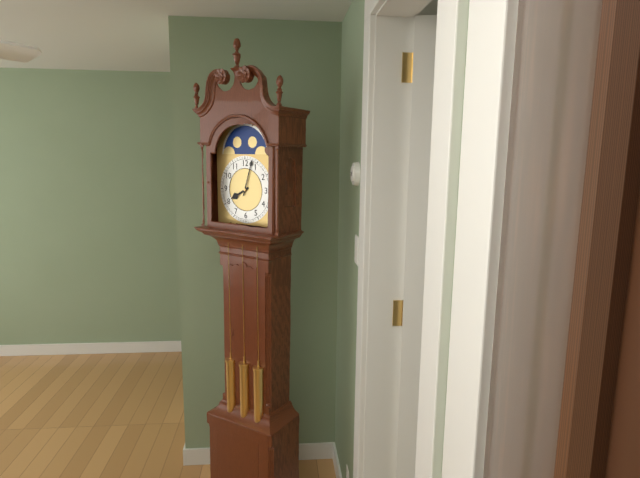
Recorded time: **8:03**
